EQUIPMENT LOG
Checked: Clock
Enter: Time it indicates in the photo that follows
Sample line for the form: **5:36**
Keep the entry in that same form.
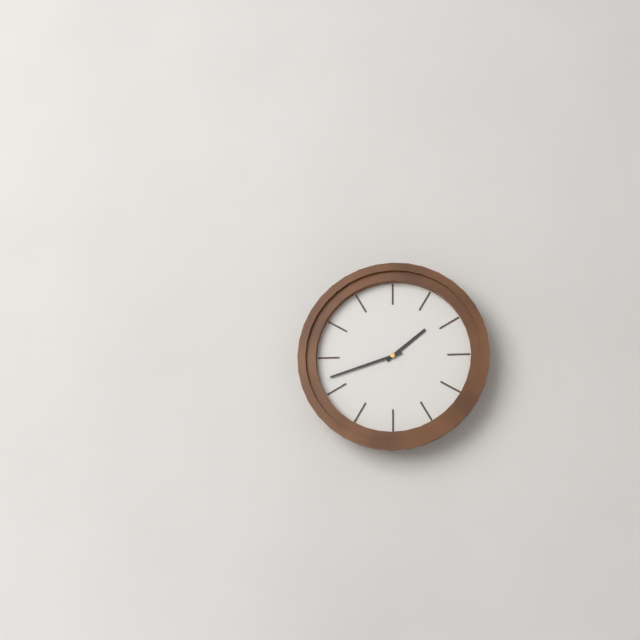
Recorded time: **1:42**
